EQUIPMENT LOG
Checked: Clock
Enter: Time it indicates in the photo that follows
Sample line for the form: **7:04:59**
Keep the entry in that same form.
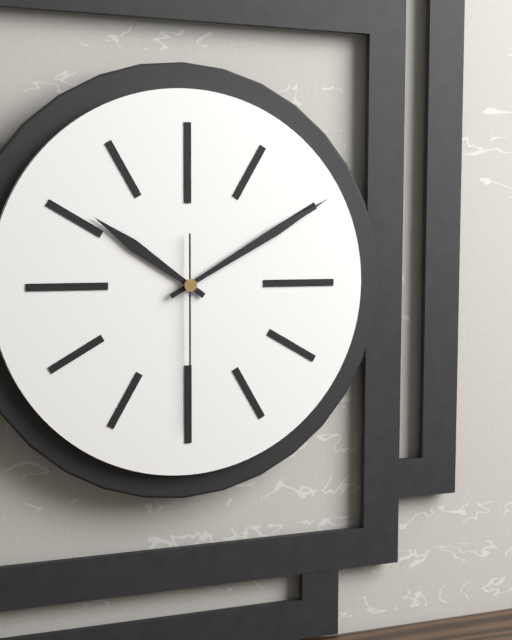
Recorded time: **10:10:30**
